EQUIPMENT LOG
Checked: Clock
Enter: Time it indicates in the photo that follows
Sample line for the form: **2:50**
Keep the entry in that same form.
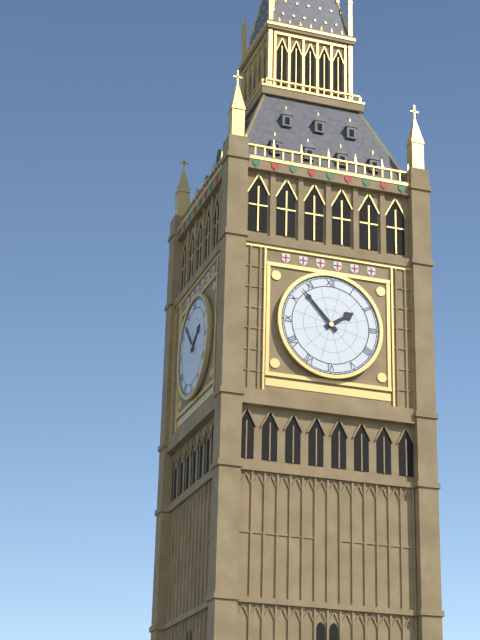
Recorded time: **1:53**
